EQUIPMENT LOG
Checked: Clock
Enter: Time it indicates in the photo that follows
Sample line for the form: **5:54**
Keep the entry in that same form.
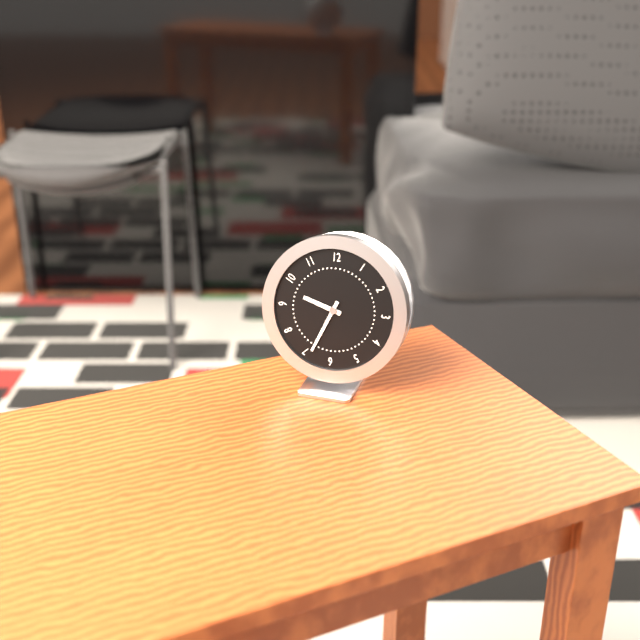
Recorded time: **9:34**
